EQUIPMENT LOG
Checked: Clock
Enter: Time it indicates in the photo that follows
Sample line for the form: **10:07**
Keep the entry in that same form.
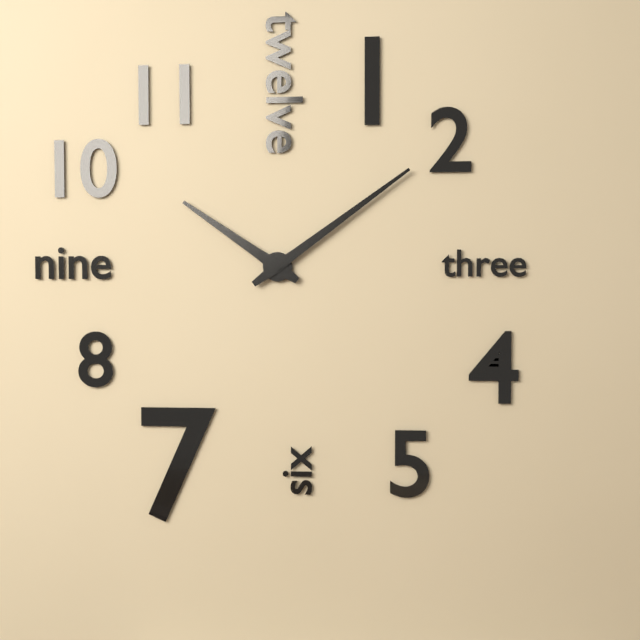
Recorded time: **10:09**
